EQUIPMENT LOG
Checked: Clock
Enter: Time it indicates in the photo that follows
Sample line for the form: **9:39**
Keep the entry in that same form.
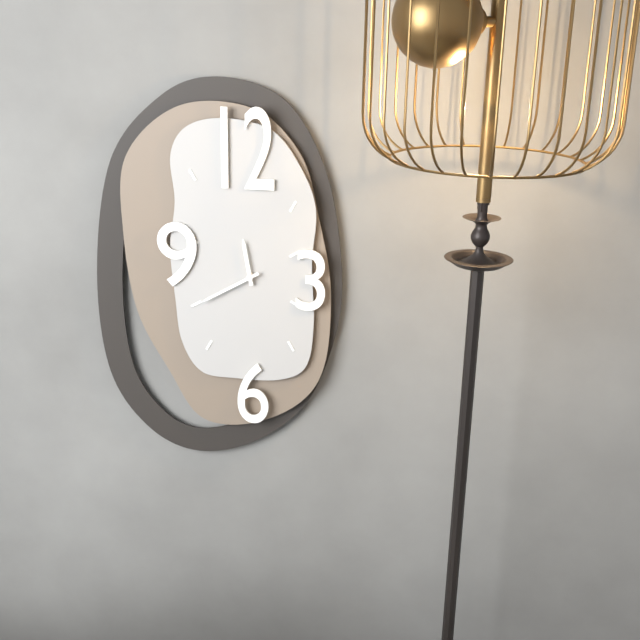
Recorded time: **11:40**
